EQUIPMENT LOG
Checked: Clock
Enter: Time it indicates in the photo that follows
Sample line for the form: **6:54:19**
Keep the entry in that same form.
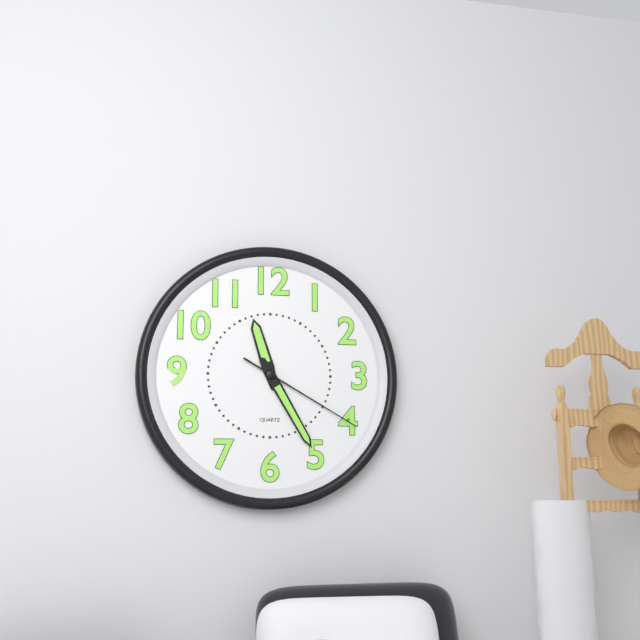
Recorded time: **11:25:20**
